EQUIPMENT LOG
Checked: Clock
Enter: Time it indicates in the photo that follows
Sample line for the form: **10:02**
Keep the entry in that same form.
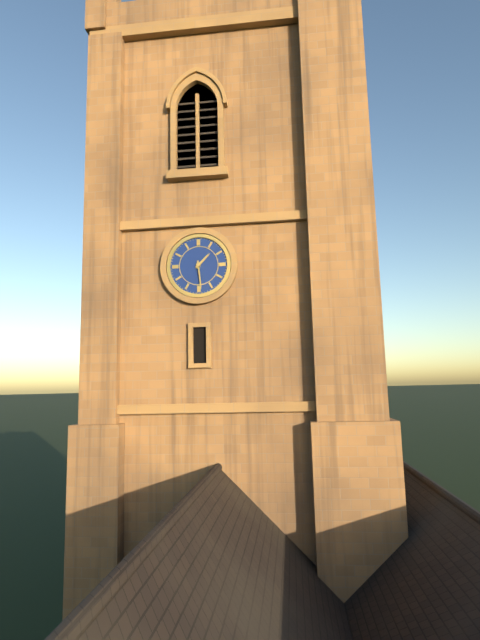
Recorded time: **1:29**
